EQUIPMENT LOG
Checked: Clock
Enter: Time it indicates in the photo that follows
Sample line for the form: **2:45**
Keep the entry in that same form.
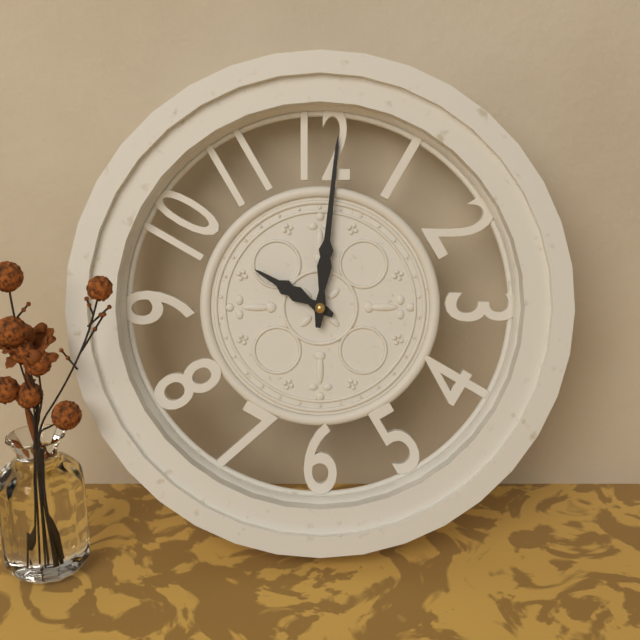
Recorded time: **10:01**
